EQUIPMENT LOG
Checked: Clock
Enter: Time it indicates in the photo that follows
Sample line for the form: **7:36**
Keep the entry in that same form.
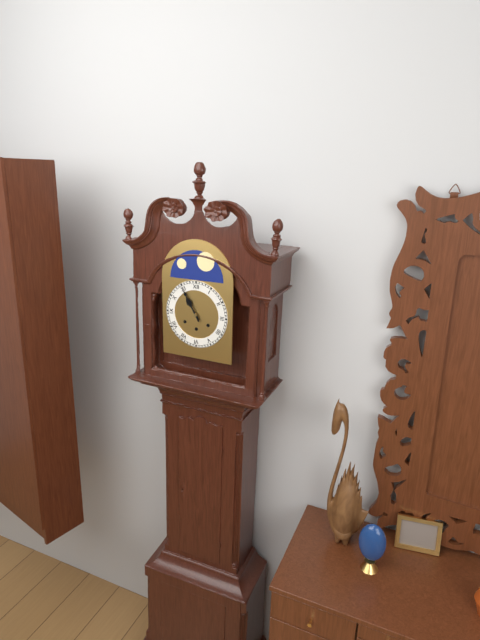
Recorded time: **10:55**
